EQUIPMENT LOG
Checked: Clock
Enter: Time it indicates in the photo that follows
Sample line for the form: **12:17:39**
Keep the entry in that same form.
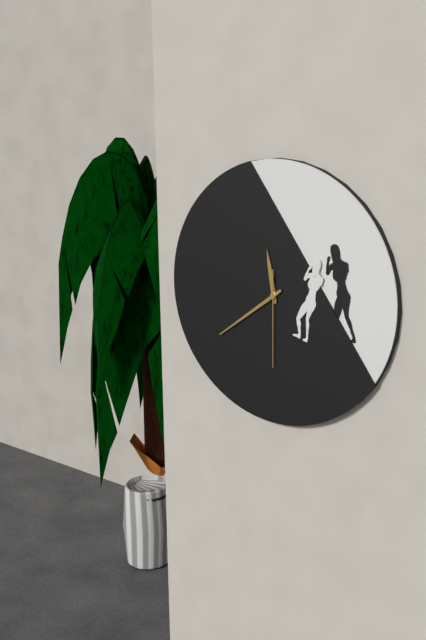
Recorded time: **11:39:30**
